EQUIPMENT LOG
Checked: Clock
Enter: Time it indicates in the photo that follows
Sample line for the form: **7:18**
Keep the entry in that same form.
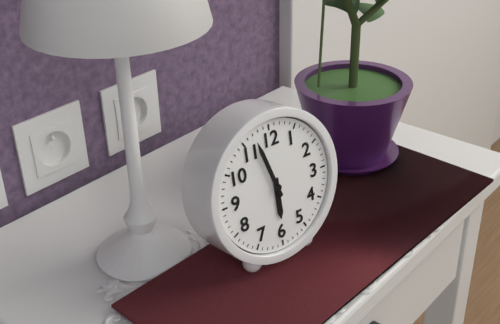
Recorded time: **5:57**
